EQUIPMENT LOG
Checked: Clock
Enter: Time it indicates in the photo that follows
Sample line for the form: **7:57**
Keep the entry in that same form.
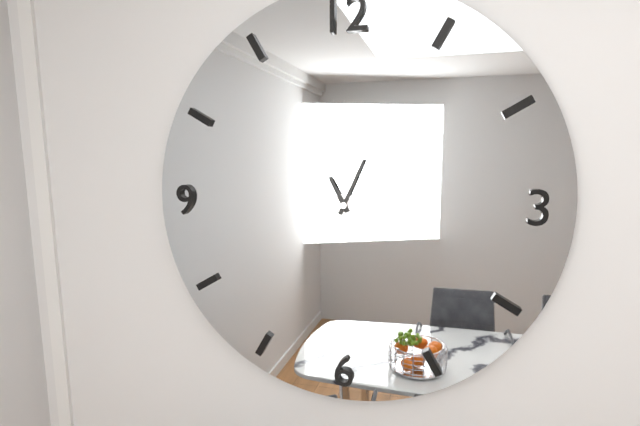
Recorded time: **11:04**
